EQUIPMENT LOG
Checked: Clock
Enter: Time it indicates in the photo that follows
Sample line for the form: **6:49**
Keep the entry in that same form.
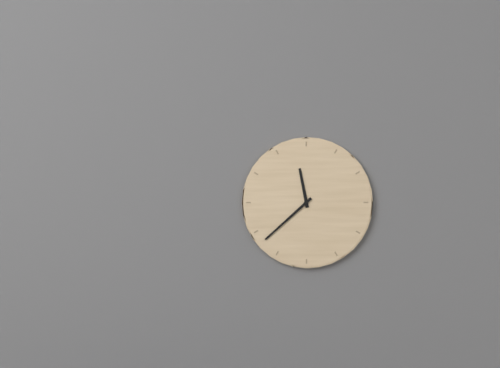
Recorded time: **11:38**
